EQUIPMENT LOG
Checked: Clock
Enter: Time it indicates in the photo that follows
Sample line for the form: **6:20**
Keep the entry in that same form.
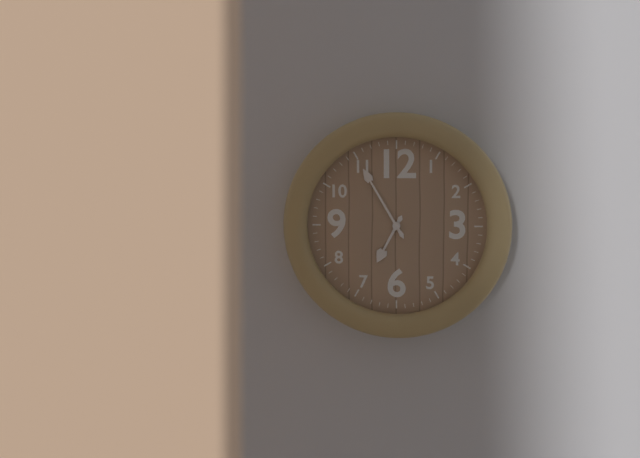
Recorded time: **6:55**
